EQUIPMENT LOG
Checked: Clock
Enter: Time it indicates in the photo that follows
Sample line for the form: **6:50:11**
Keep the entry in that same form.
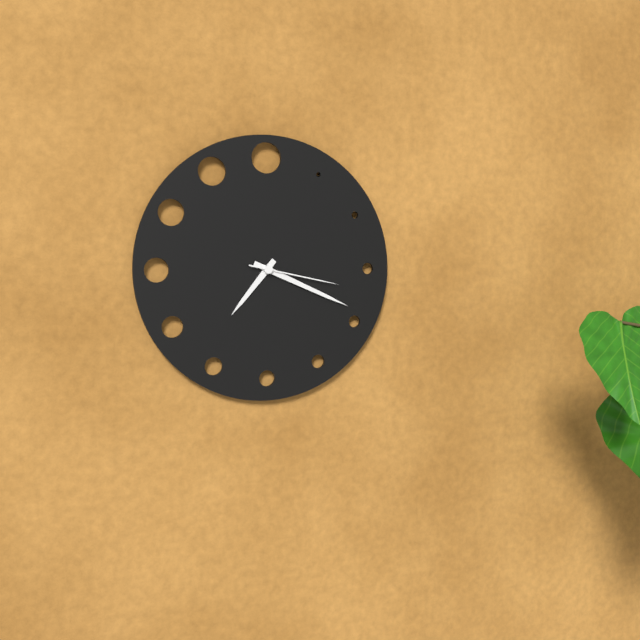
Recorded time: **7:19:17**
